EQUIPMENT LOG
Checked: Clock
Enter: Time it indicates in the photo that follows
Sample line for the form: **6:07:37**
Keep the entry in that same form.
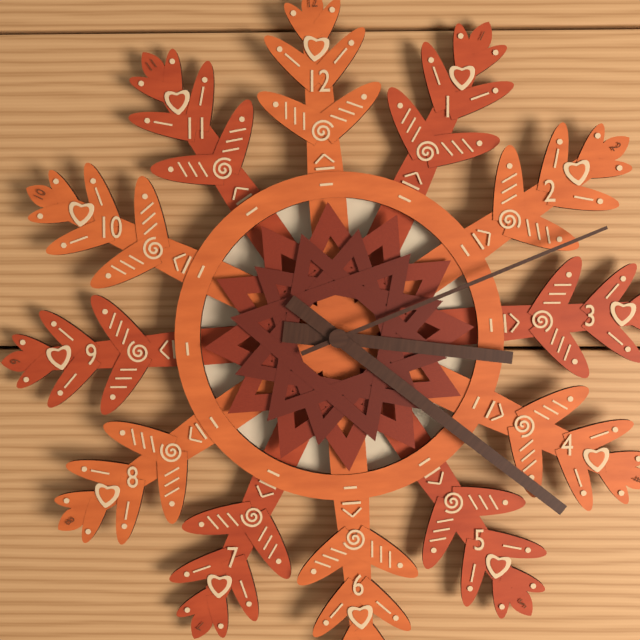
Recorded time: **3:22:12**
